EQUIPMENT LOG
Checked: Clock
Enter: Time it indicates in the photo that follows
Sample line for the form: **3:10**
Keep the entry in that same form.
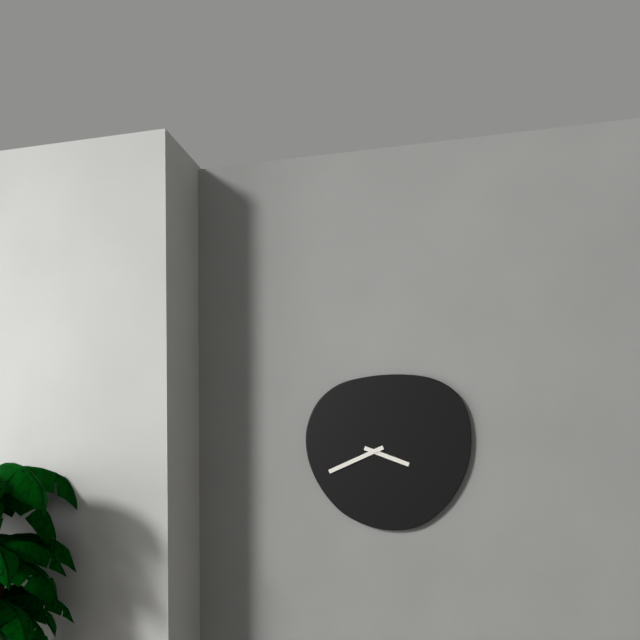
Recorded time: **3:41**
